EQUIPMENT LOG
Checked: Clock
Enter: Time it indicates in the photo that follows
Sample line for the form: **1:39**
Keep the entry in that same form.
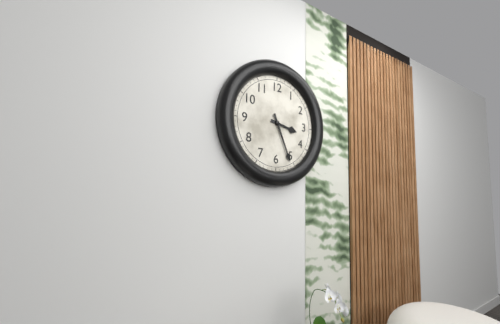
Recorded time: **3:26**
